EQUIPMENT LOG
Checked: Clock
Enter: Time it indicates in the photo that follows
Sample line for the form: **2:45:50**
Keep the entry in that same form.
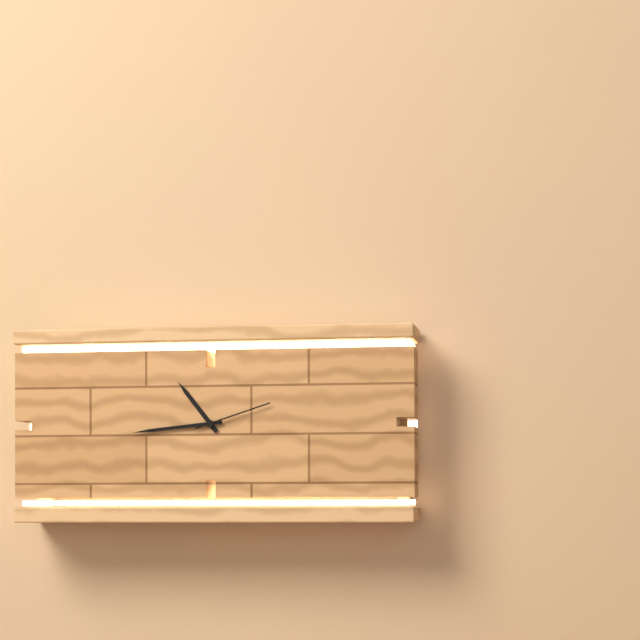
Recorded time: **10:44:12**
